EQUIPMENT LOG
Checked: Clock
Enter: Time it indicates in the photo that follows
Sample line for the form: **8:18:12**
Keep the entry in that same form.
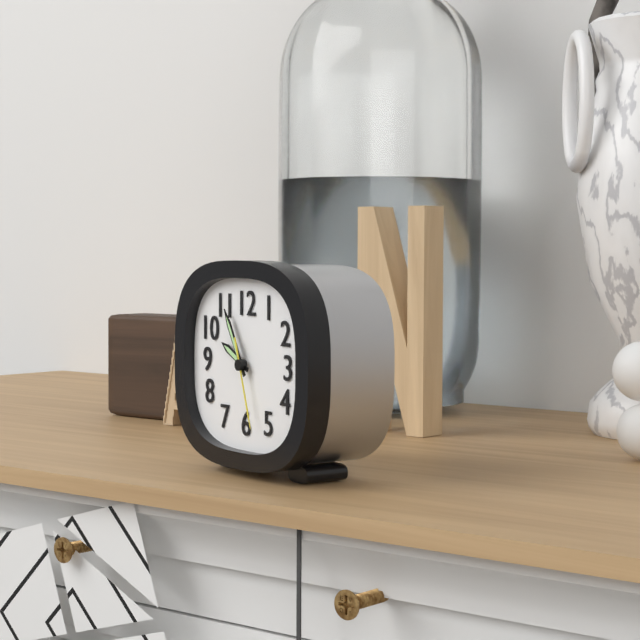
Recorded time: **9:55:27**
